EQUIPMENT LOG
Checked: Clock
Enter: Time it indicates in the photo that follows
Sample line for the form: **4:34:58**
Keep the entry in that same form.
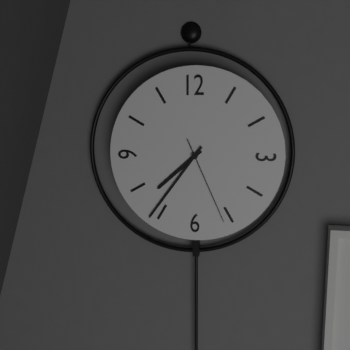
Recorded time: **7:36:26**
